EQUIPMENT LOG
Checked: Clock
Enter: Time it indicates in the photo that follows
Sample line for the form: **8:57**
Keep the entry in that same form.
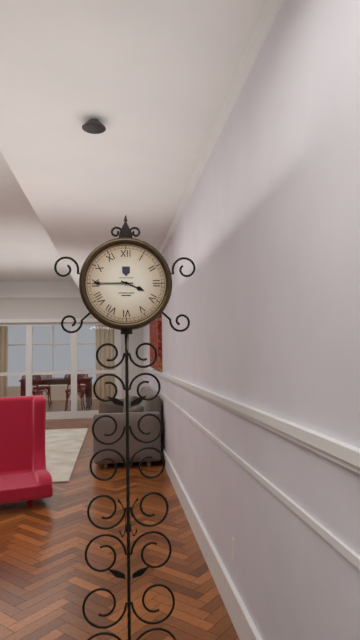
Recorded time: **3:45**
